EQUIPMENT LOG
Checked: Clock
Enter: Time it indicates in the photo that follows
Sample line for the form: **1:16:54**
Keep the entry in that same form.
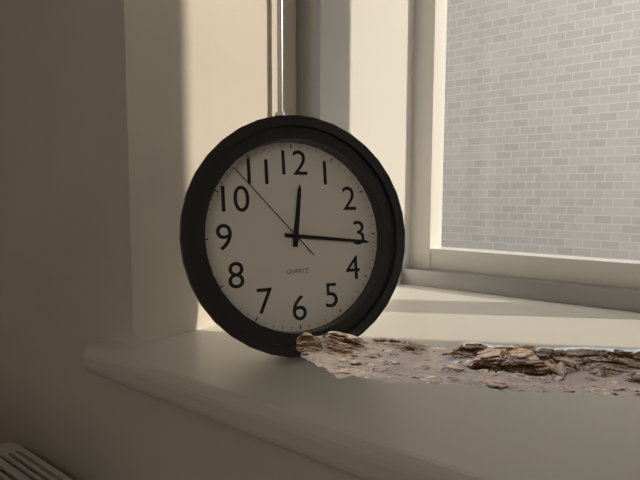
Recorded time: **12:16:53**
